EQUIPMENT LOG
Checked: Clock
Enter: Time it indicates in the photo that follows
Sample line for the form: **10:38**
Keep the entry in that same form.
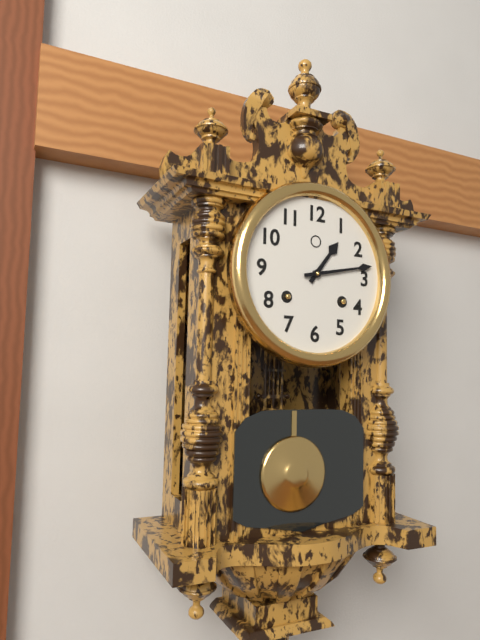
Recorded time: **1:13**
